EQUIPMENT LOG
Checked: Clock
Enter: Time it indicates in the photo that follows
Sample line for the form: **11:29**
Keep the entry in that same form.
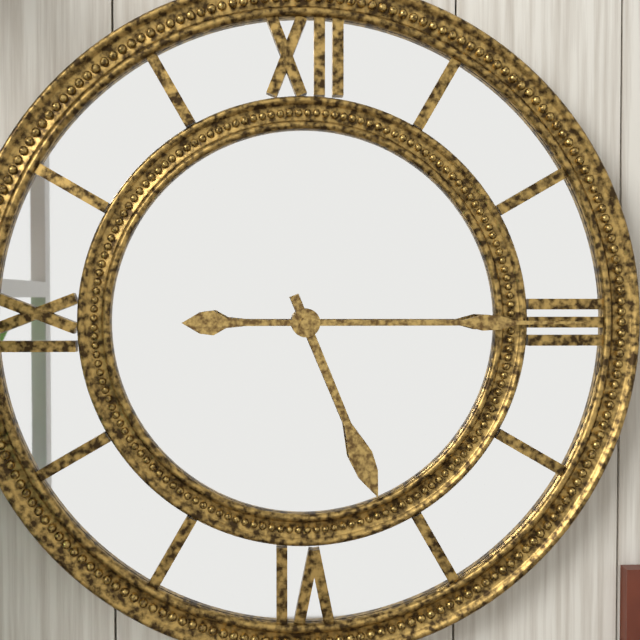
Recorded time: **5:15**
